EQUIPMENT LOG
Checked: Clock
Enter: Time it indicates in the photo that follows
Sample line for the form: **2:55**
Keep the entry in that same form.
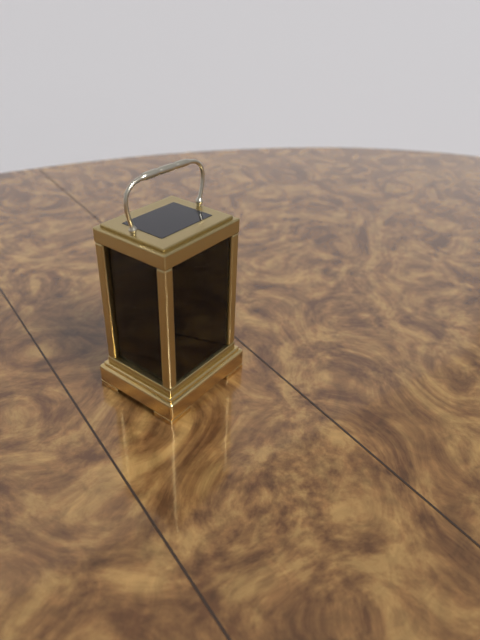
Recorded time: **10:37**
